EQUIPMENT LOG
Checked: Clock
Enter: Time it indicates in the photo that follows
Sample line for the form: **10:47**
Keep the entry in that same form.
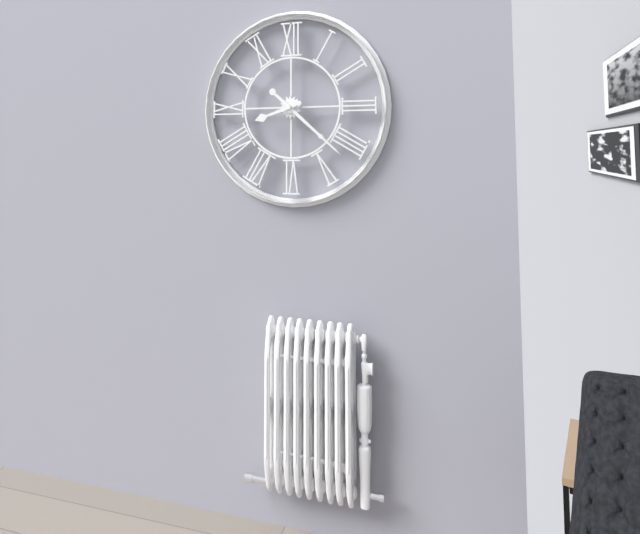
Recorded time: **8:22**
